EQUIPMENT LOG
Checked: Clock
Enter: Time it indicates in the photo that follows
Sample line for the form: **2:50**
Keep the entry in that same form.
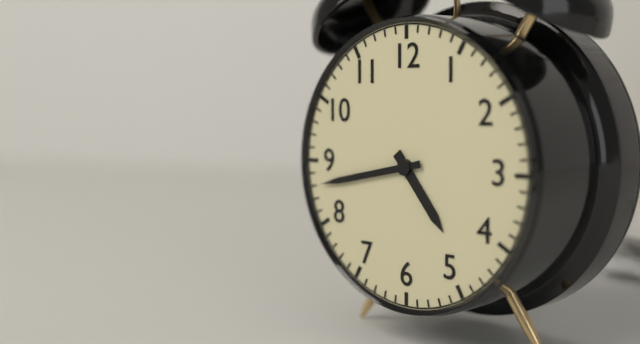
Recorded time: **4:43**
